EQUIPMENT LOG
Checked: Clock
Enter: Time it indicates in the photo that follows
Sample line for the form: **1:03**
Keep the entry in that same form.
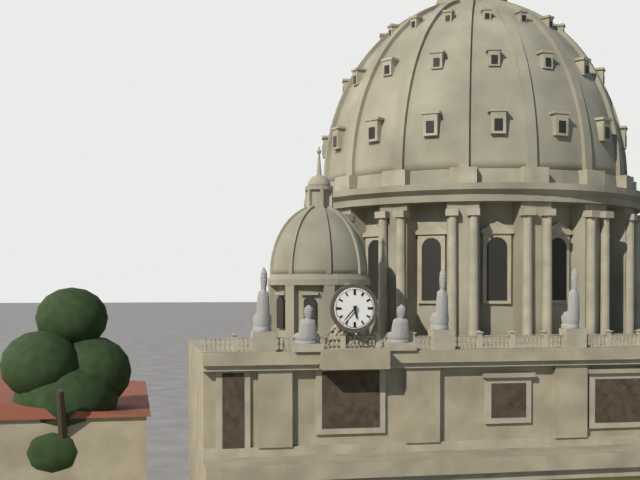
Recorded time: **5:37**
